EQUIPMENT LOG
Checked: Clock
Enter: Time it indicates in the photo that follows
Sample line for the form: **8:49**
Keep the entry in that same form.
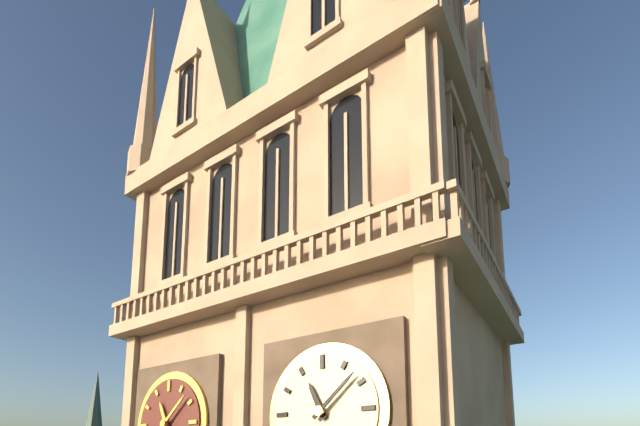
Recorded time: **11:08**
